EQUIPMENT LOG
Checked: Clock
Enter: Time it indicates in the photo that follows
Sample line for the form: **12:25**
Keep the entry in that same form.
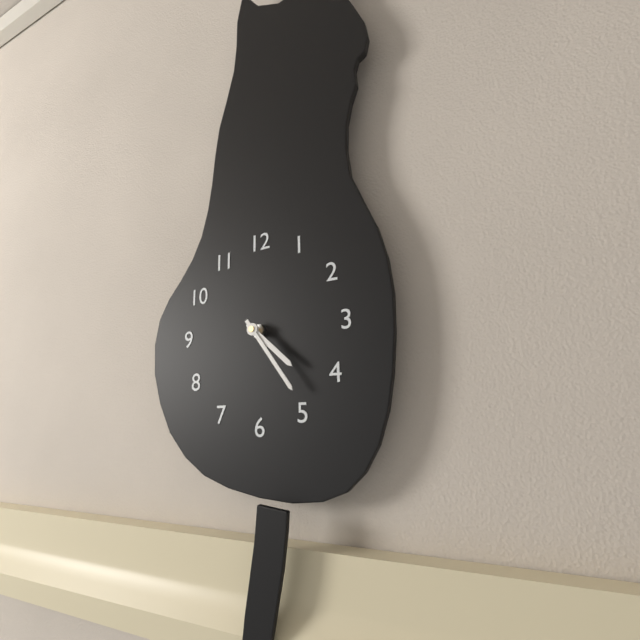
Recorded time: **4:24**
